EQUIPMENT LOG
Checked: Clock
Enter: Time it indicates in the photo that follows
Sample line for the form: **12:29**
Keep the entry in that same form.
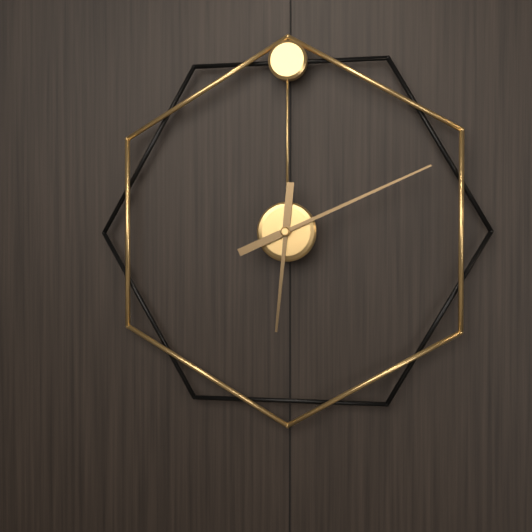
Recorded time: **6:11**
